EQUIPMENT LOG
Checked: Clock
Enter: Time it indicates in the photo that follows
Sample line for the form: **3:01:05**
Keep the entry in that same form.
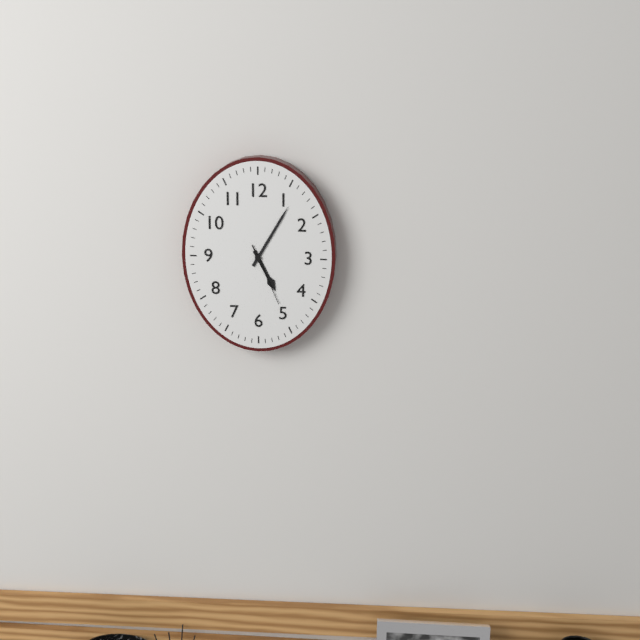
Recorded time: **5:05:26**
